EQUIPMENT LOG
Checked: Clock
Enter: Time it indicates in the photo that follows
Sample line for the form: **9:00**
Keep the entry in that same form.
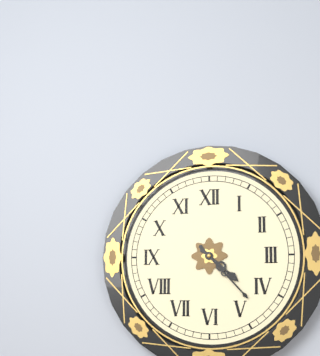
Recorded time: **4:23**
